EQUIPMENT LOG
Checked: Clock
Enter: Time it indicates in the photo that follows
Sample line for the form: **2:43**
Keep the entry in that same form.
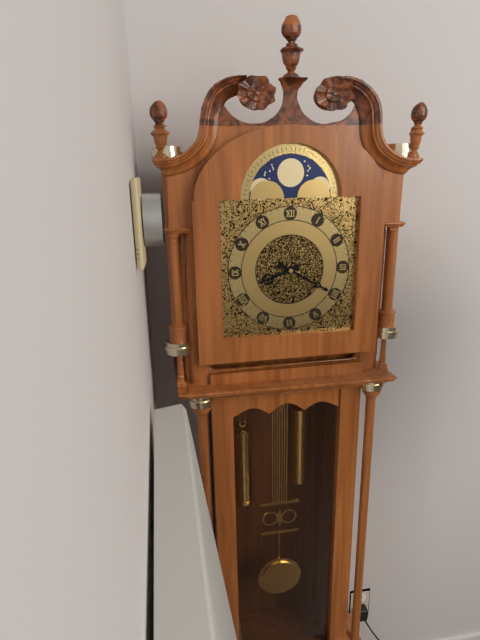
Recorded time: **8:20**
